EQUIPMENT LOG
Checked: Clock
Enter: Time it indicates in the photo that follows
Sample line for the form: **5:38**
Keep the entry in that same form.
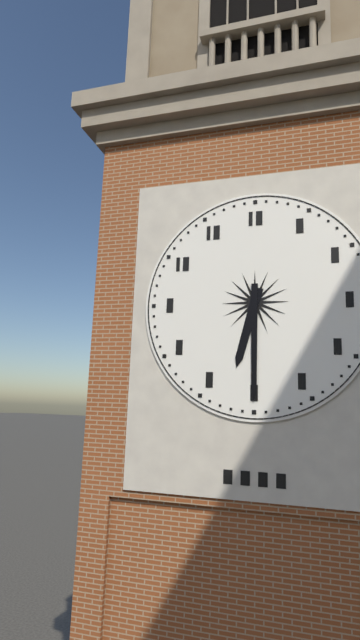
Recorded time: **6:30**
